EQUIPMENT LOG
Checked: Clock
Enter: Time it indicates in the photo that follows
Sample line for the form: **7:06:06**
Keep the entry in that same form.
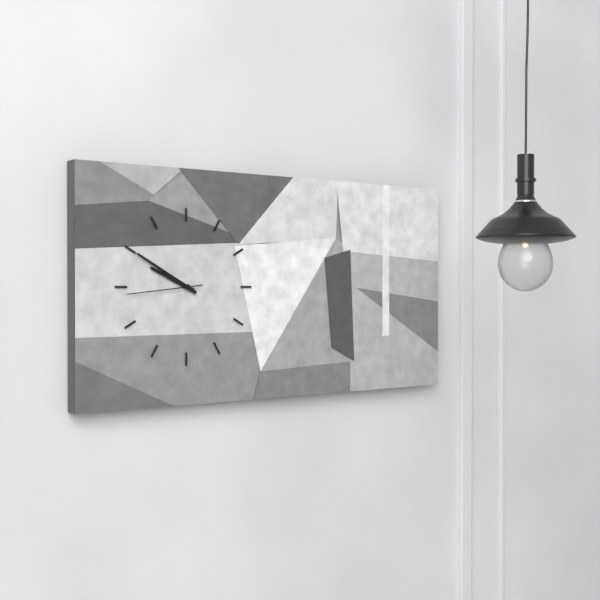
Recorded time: **9:50:44**
